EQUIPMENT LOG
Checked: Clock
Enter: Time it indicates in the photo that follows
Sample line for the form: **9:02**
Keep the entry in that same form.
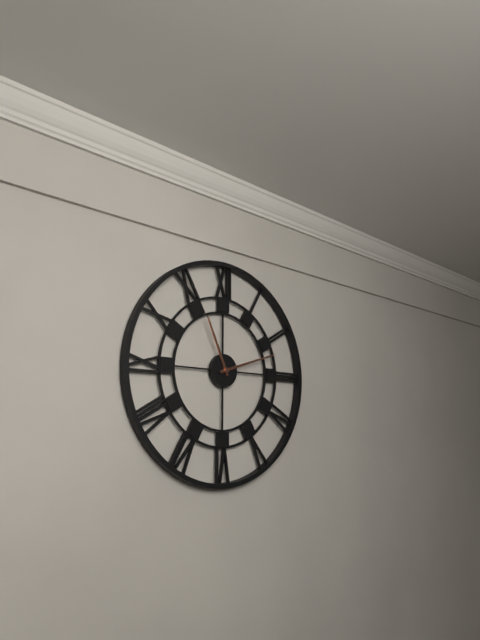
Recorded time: **11:12**
